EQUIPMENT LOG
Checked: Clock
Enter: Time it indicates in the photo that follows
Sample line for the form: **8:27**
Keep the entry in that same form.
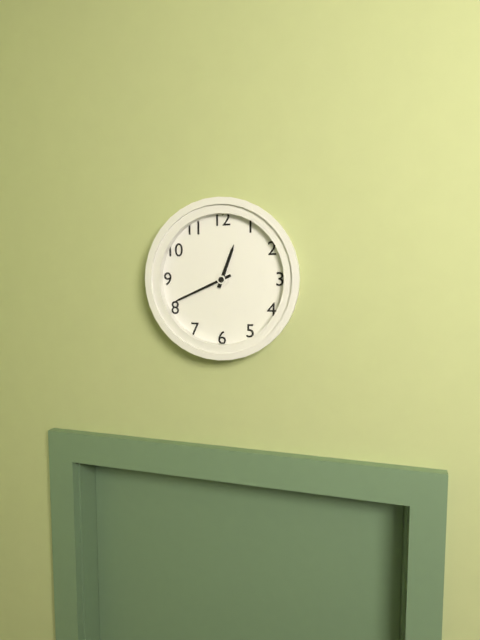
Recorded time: **12:41**
